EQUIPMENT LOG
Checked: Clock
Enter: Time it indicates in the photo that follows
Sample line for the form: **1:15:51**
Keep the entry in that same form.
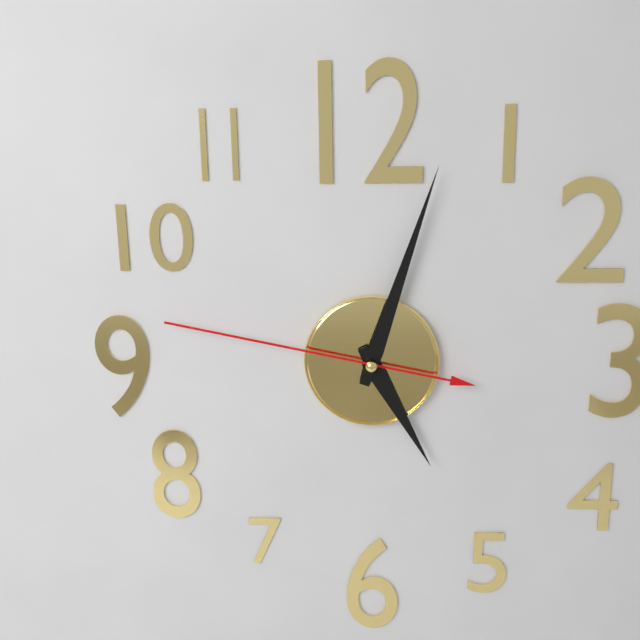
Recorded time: **5:03:47**
